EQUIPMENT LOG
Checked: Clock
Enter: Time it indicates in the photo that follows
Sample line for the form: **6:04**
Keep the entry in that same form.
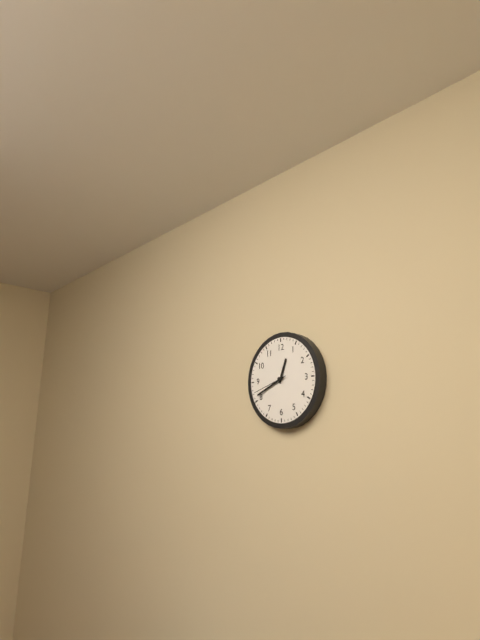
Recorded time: **12:41**
